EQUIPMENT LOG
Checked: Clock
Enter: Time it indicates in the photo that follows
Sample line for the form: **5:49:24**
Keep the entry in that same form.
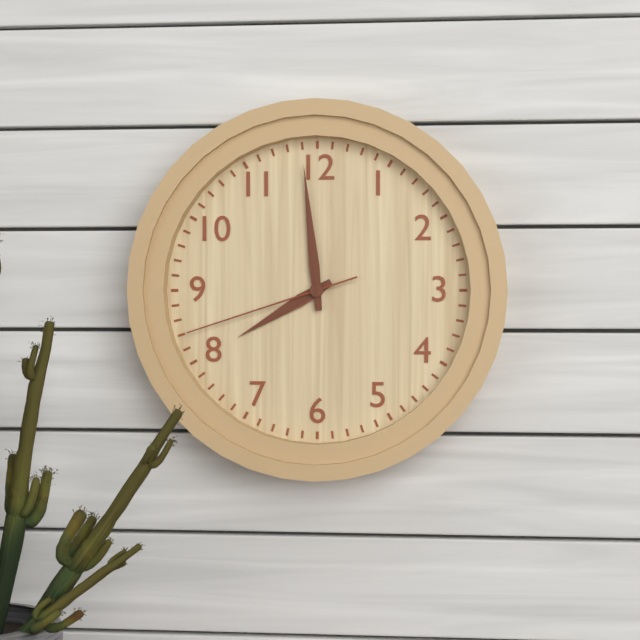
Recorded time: **7:59:42**
